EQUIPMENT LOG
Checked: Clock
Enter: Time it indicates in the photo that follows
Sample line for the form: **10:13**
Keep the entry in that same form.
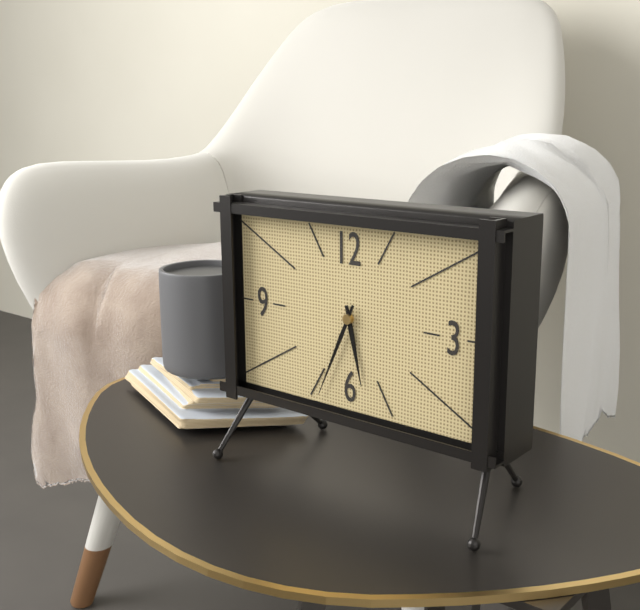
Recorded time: **5:34**
